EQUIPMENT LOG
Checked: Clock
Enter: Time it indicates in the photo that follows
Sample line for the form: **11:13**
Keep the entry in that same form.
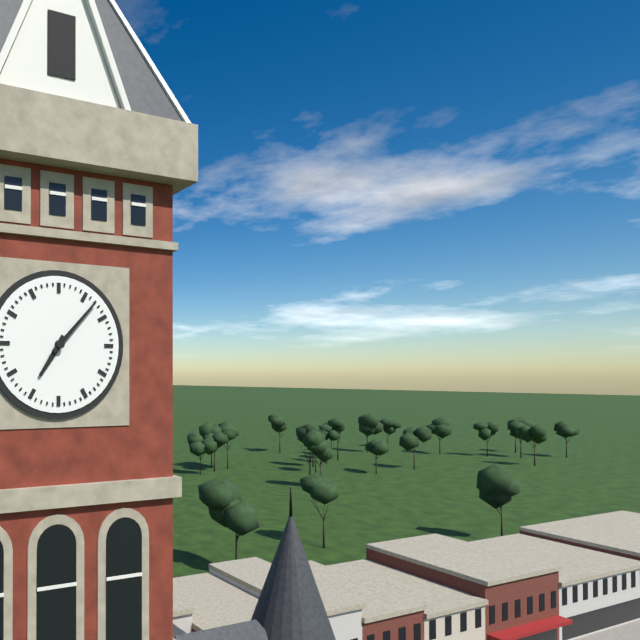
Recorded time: **7:07**
